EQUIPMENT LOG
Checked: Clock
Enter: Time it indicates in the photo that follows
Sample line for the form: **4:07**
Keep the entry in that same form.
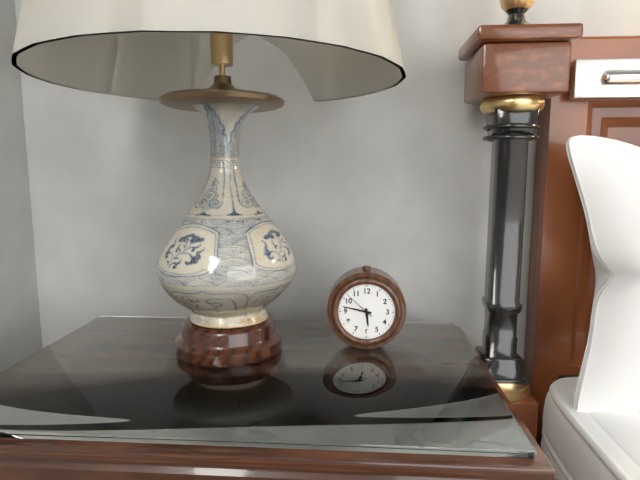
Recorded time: **5:47**
